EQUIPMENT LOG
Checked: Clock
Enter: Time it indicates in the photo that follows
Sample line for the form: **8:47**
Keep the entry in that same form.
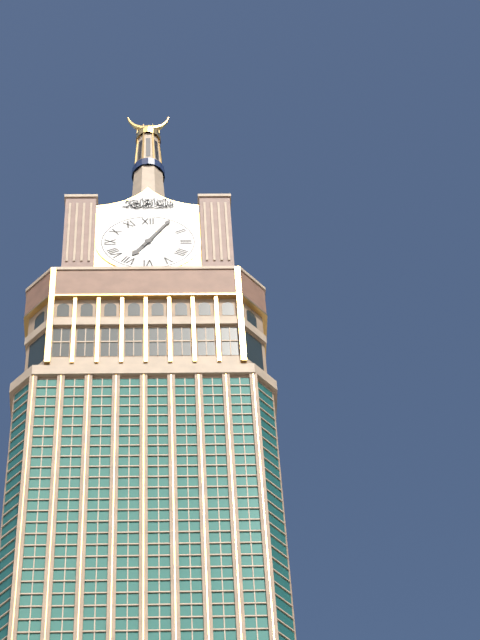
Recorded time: **7:05**
